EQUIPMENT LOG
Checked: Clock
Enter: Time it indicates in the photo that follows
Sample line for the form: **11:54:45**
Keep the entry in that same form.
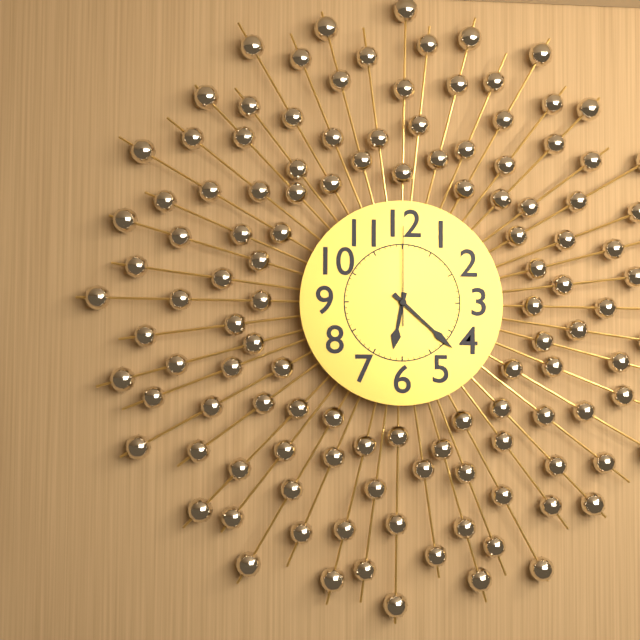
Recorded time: **6:22:00**
